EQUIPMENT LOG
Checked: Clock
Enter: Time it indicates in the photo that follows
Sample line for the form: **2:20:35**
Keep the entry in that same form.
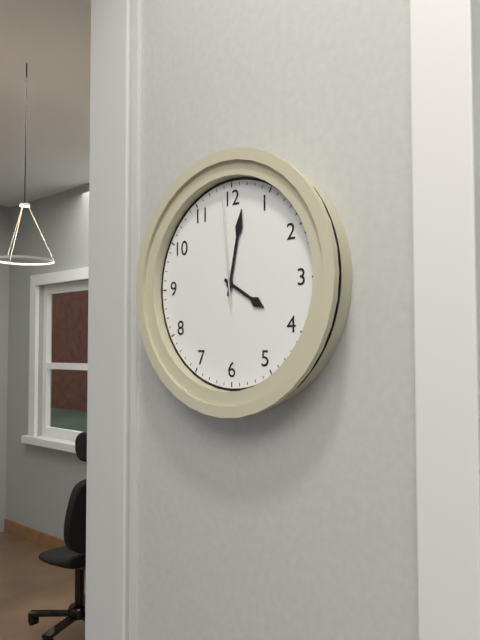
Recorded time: **4:02:59**
